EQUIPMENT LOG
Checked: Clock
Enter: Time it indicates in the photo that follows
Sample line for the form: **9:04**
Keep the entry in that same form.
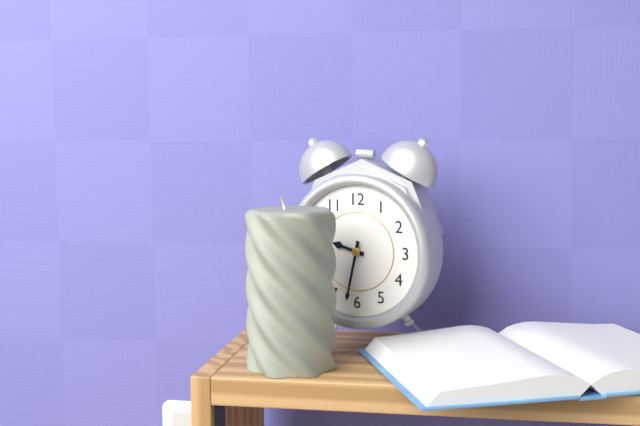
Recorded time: **9:32**
